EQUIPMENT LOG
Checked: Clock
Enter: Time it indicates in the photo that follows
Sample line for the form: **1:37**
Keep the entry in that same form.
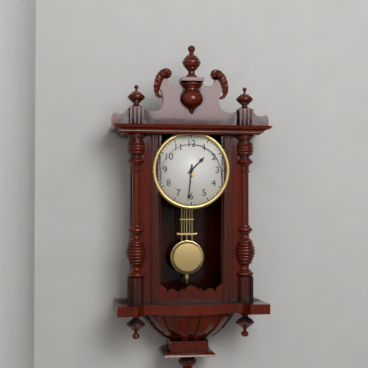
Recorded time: **1:31**
